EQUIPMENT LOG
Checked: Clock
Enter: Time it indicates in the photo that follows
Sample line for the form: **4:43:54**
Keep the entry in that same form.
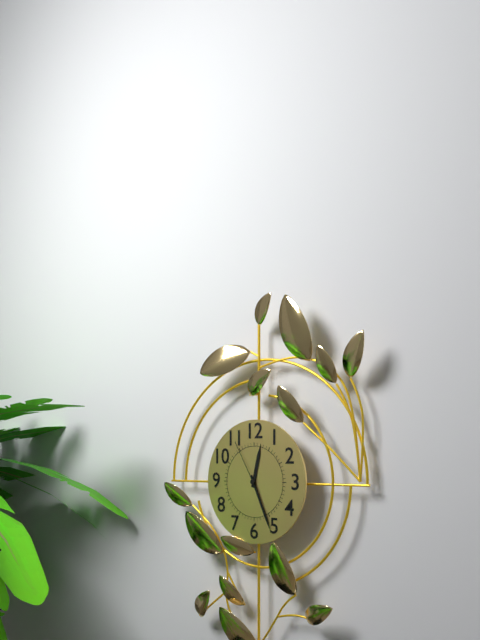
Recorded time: **12:26:55**
